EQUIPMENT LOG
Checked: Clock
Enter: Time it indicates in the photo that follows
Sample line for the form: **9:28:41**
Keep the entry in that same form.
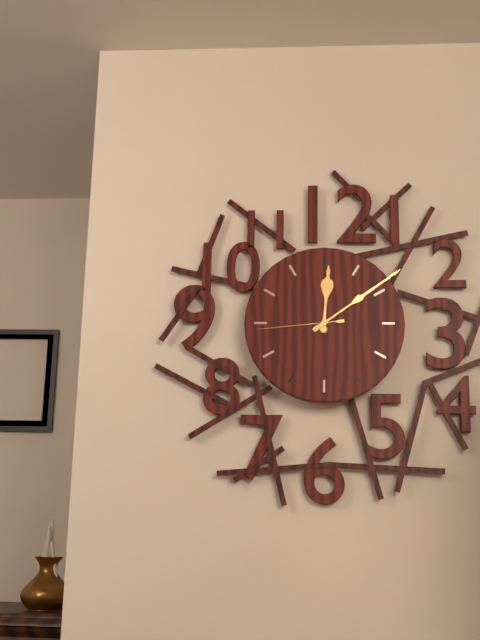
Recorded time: **12:09:44**
